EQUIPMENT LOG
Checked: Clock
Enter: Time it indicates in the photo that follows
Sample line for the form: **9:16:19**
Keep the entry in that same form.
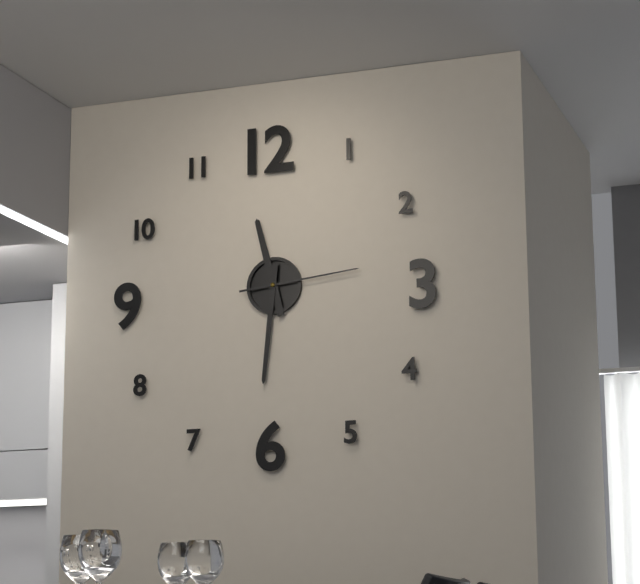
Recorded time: **11:31:14**
